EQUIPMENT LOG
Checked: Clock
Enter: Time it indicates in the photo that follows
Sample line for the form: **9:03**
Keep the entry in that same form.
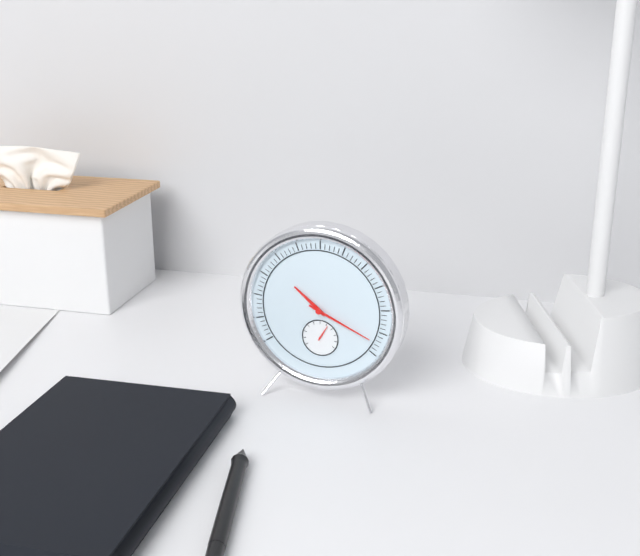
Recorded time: **10:19**
